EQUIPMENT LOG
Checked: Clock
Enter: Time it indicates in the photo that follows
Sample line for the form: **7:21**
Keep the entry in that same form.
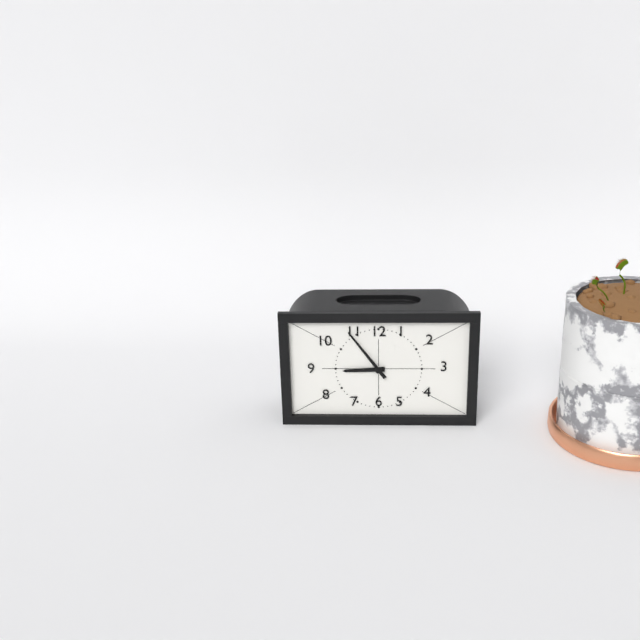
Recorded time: **8:54**
